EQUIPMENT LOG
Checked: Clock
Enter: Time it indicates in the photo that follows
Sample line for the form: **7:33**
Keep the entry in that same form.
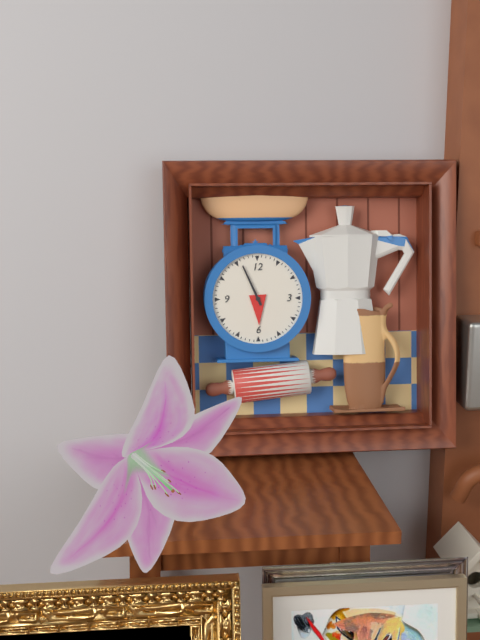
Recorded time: **5:56**
